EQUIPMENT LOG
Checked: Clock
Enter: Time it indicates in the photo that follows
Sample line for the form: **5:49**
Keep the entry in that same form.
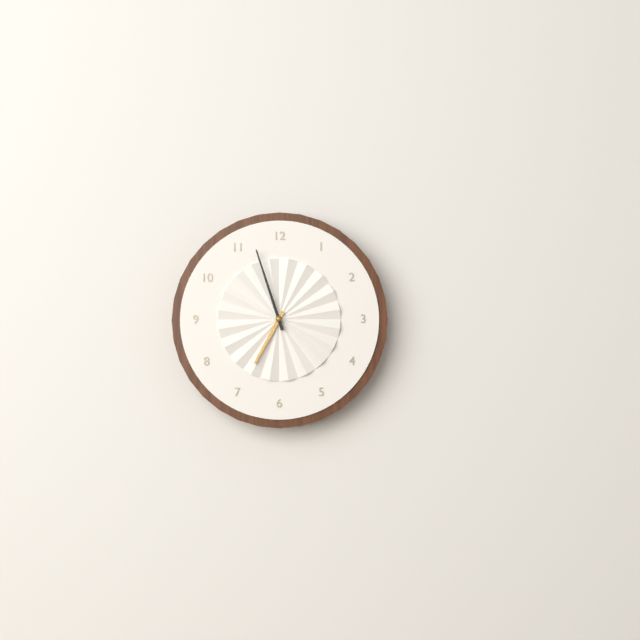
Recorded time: **6:57**
